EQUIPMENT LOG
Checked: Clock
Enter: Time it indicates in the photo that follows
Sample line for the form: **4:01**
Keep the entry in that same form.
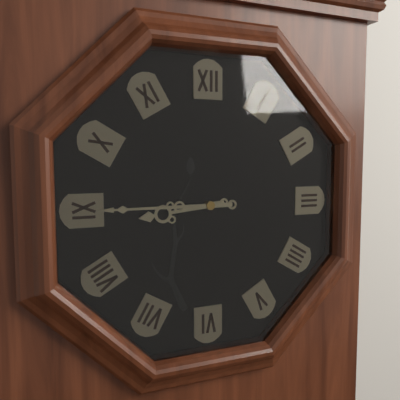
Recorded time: **8:45**
